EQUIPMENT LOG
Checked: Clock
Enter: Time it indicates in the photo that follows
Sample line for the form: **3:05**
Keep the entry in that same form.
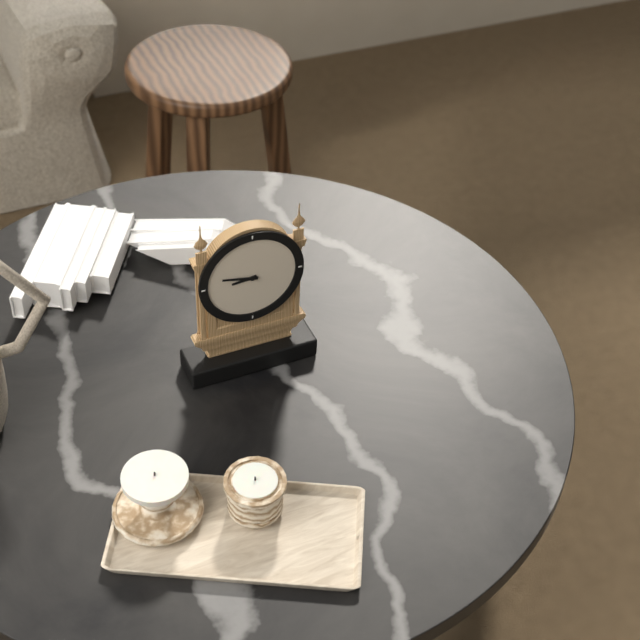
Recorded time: **8:47**
